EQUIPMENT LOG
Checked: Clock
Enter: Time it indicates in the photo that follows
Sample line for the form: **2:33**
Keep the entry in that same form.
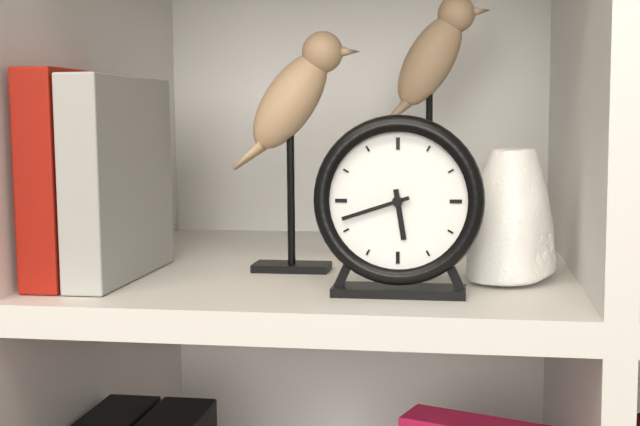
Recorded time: **5:42**
